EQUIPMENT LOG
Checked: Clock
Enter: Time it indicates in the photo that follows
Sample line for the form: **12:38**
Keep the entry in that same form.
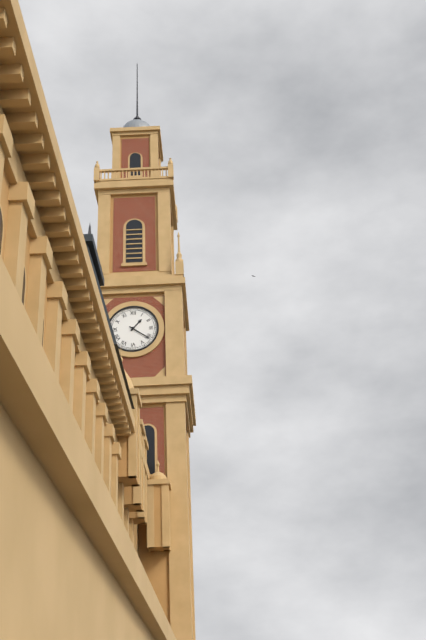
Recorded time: **1:21**
